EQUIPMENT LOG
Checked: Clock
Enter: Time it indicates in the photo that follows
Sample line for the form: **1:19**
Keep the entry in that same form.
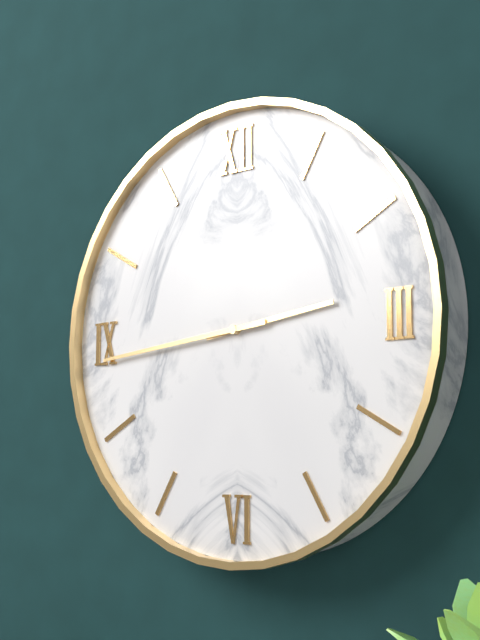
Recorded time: **2:44**
